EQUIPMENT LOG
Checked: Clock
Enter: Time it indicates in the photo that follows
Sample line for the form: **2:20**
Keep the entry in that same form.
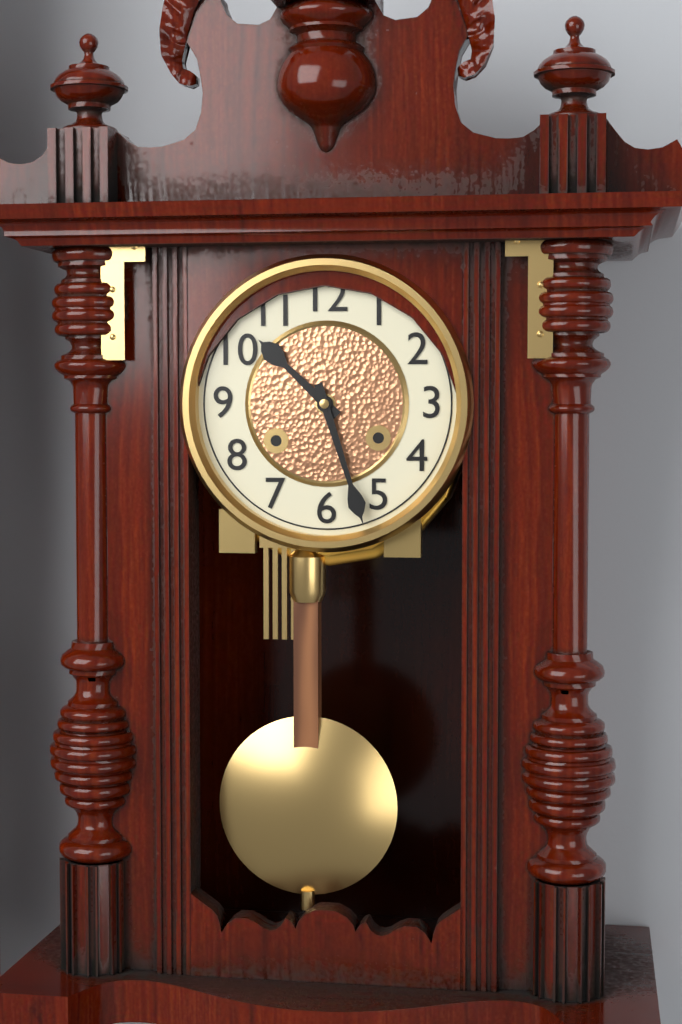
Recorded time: **10:27**
